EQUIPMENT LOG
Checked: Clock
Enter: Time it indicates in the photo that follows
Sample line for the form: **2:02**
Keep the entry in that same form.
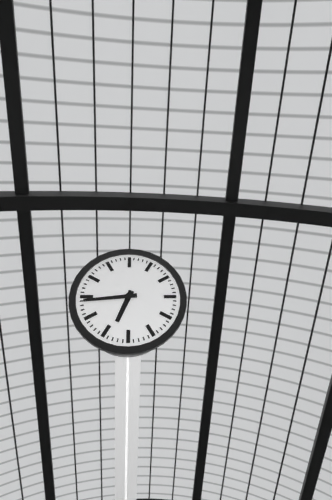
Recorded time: **6:44**
